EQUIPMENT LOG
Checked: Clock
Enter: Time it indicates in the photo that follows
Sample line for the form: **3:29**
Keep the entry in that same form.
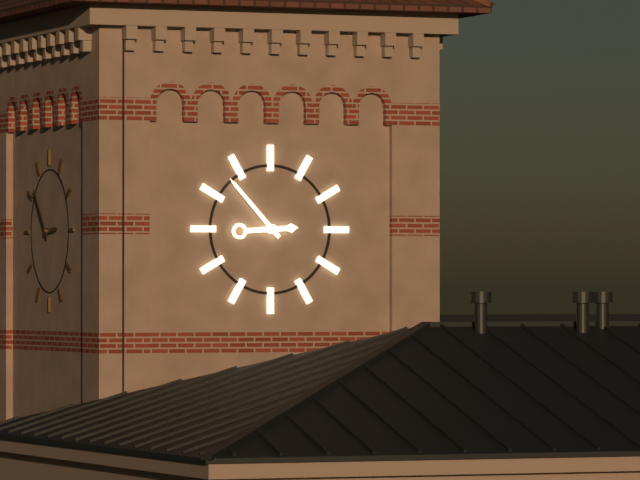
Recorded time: **2:53**
